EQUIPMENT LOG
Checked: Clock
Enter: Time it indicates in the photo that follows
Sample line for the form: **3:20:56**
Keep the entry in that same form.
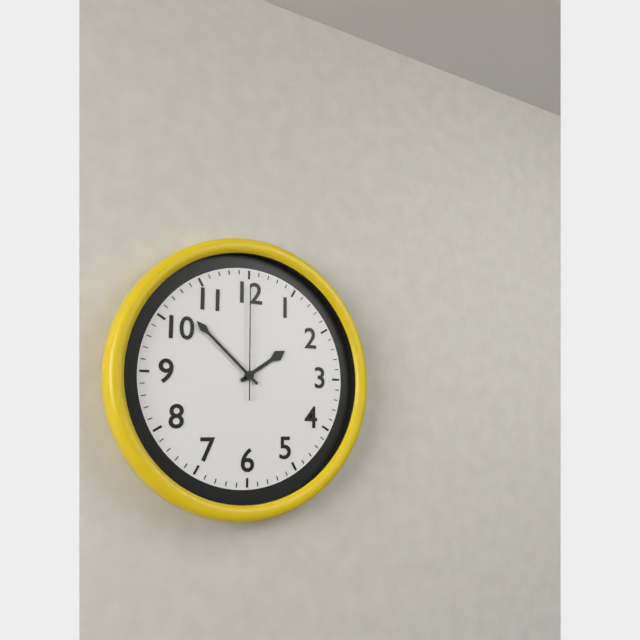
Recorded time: **1:52:00**
